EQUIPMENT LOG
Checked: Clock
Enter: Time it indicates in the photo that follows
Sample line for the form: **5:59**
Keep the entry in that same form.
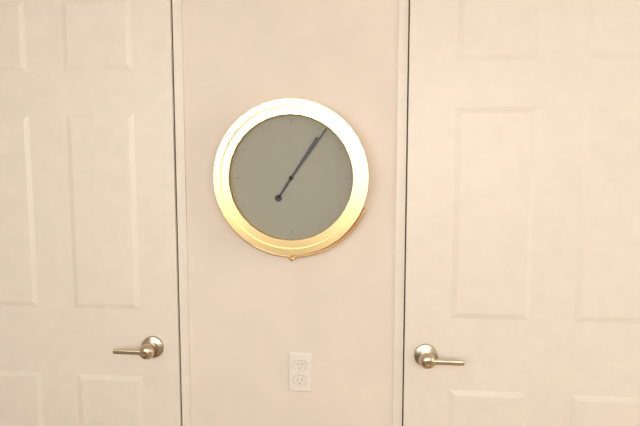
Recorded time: **1:06**
